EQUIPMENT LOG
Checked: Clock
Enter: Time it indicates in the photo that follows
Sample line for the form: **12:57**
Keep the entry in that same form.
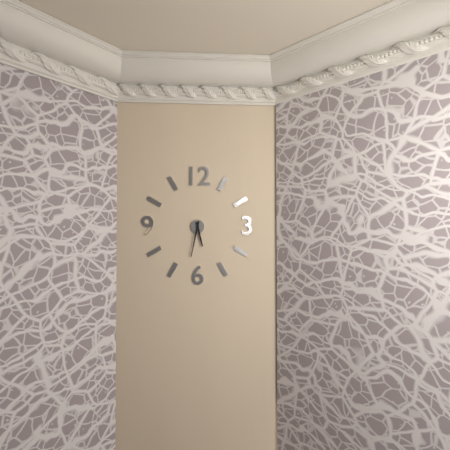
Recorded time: **5:32**
